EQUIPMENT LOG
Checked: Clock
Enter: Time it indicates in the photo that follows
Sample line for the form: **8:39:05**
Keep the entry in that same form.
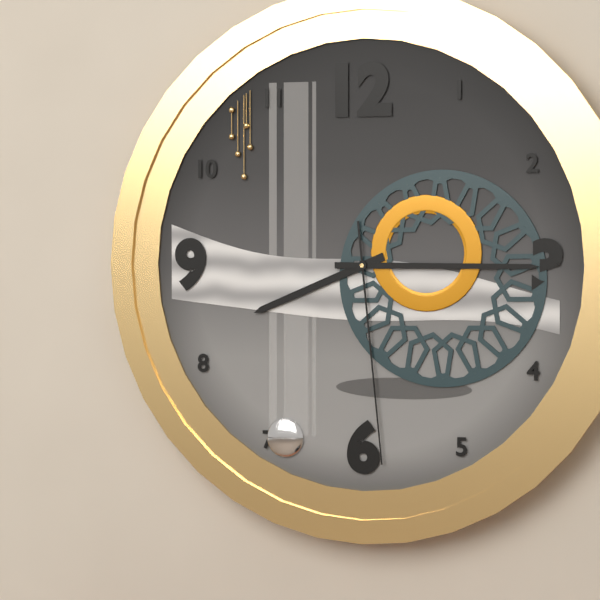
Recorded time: **8:15:29**
